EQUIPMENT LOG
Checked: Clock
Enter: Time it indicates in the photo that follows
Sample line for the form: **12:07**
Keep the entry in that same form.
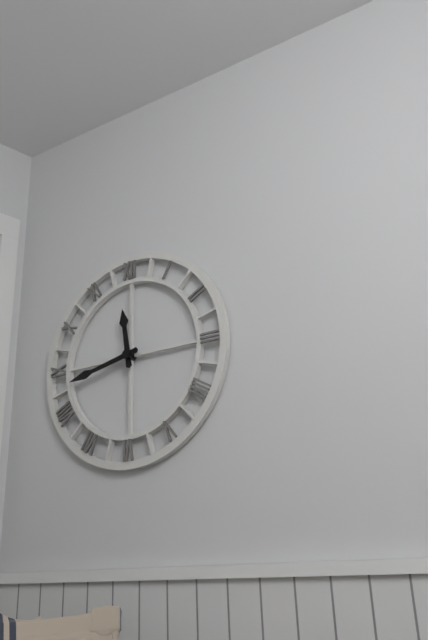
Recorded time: **11:43**
